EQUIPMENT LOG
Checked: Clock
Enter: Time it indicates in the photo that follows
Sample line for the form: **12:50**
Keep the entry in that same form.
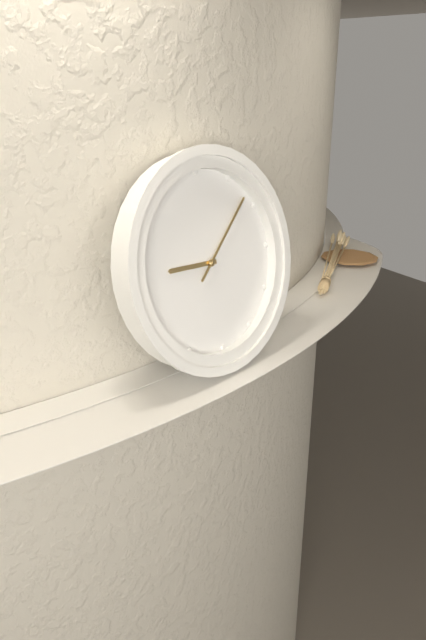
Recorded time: **9:08**
